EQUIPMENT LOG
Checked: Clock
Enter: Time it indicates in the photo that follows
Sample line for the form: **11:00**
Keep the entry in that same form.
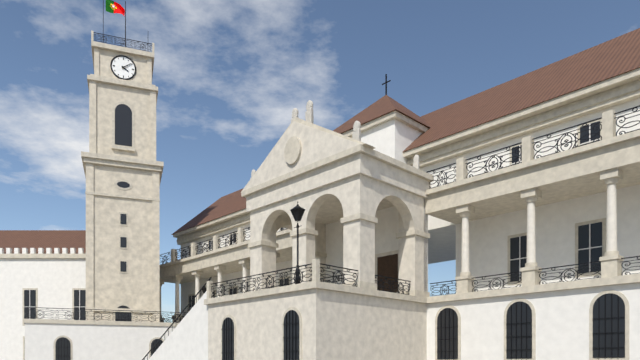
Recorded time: **4:09**
